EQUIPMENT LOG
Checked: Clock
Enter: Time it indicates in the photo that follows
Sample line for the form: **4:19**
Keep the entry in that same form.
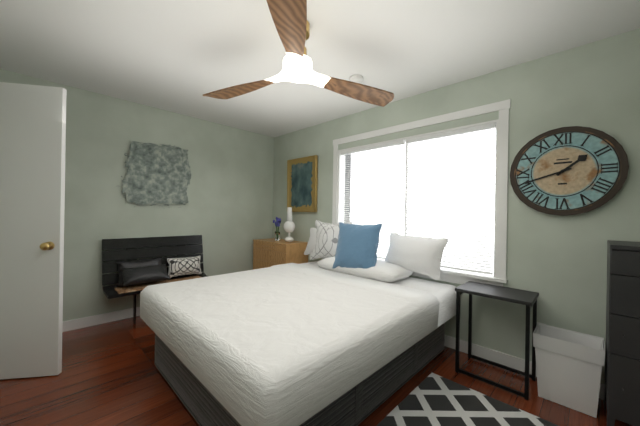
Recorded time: **1:42**
